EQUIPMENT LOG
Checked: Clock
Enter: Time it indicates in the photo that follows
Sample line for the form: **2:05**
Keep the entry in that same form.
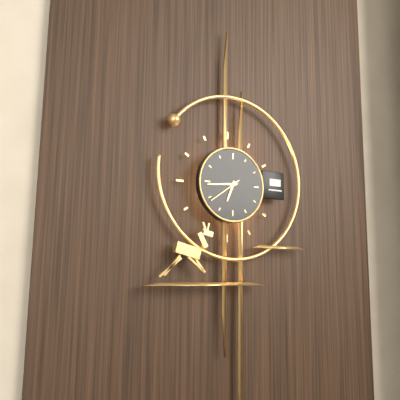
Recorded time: **6:44**
